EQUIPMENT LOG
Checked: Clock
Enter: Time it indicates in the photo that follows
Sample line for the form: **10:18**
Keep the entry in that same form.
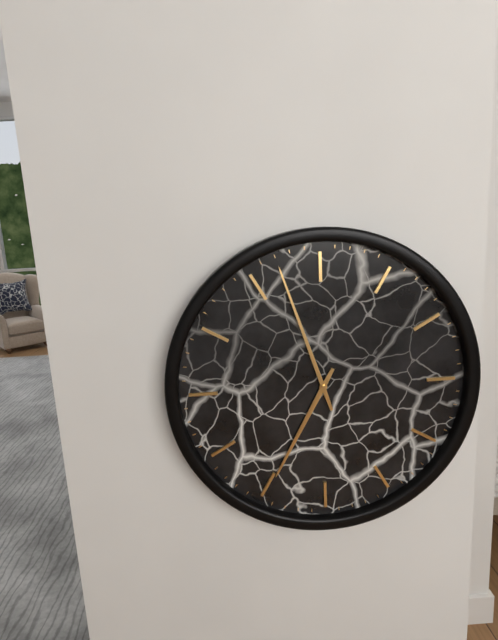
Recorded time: **6:57**
